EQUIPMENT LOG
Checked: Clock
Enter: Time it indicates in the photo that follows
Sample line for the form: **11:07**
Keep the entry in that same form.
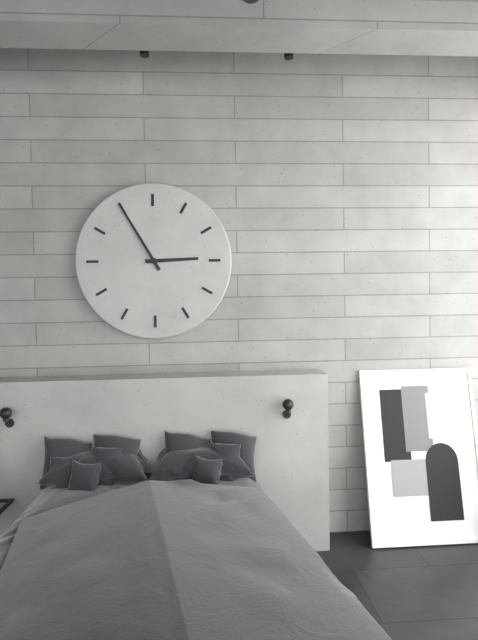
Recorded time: **2:55**
